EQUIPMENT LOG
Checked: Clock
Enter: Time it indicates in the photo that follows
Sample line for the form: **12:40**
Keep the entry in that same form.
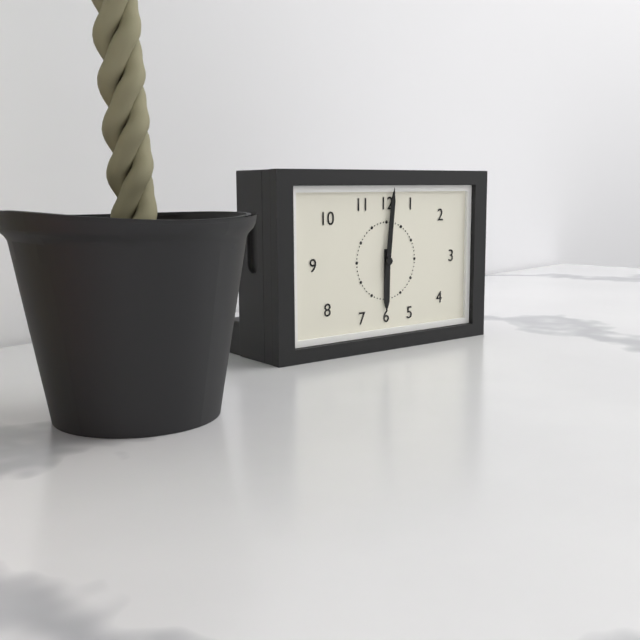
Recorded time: **6:01**
